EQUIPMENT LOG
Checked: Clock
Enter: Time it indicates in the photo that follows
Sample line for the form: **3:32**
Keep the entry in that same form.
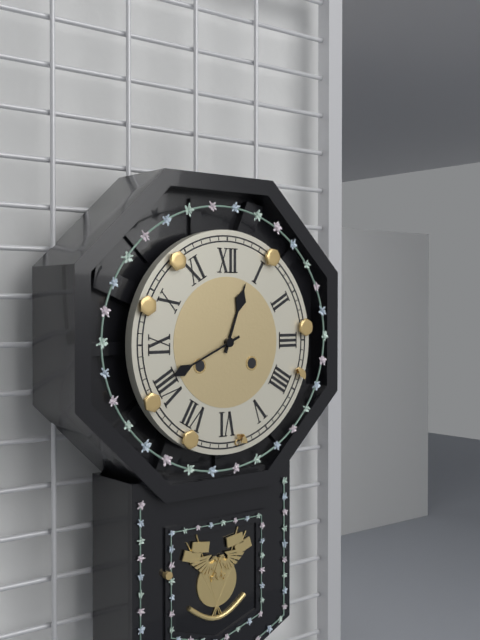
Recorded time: **12:41**
